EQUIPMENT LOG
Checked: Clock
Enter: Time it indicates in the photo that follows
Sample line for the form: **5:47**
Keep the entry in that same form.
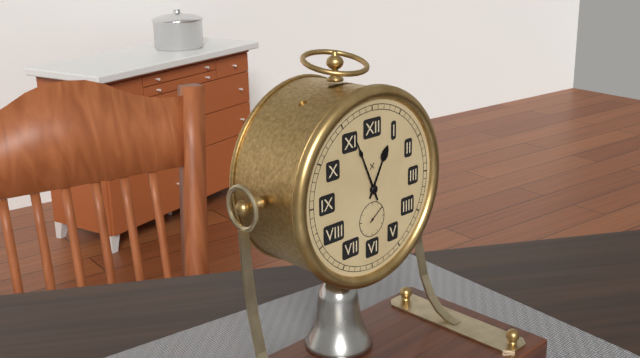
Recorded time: **12:56**
